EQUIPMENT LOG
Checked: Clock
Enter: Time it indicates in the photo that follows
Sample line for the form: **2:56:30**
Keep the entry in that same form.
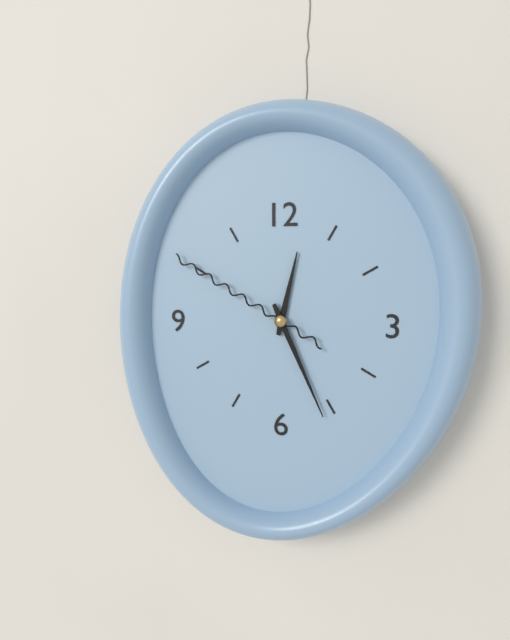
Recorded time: **12:26:50**
